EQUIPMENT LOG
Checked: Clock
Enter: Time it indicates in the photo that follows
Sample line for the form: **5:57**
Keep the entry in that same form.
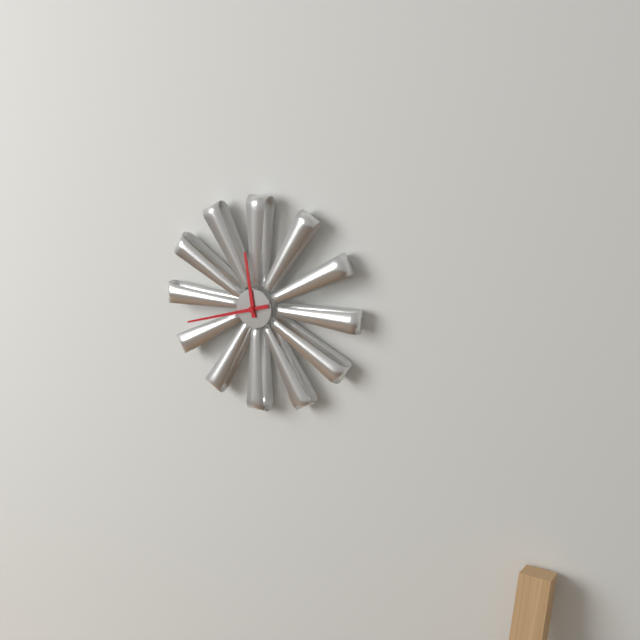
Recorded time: **11:42**
